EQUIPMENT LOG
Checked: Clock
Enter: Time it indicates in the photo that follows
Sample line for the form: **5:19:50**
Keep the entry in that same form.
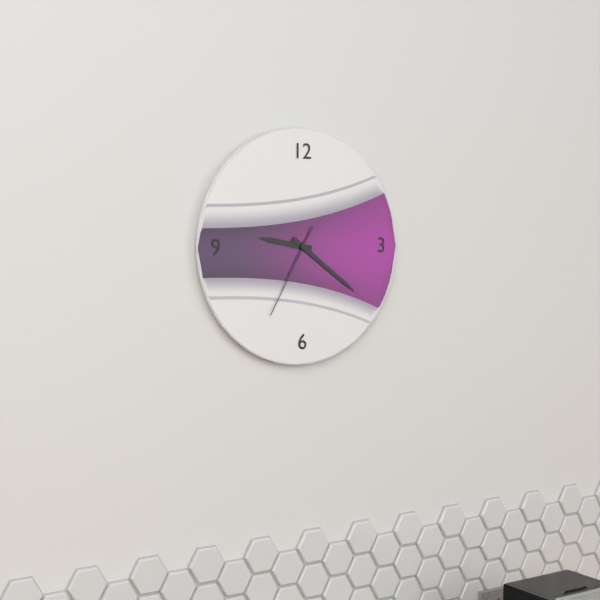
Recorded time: **9:21:35**
